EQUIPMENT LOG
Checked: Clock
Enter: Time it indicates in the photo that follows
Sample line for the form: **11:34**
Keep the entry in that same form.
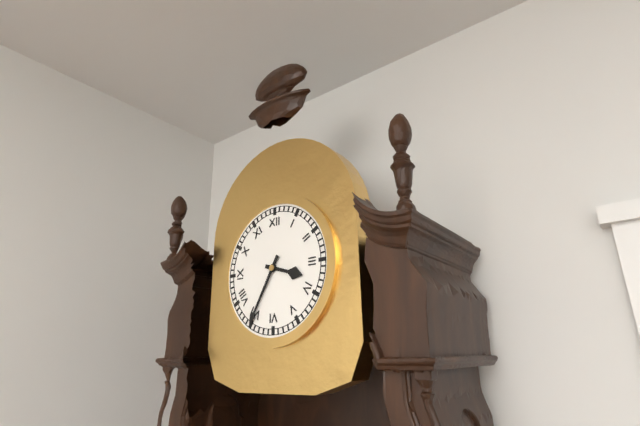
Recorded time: **3:35**
